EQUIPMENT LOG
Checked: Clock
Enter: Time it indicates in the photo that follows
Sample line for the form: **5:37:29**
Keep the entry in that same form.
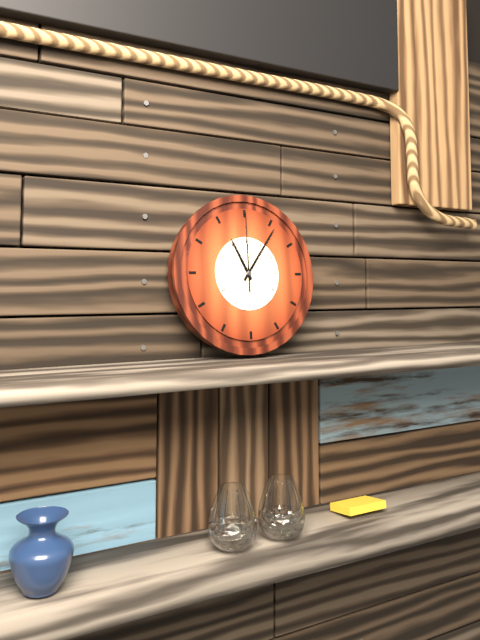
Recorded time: **11:06:00**
